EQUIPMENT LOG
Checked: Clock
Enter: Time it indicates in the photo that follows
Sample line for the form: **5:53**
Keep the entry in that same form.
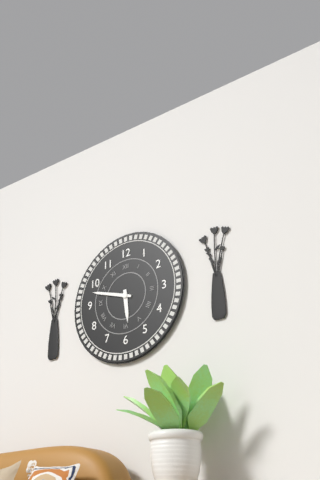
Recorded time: **5:48**
